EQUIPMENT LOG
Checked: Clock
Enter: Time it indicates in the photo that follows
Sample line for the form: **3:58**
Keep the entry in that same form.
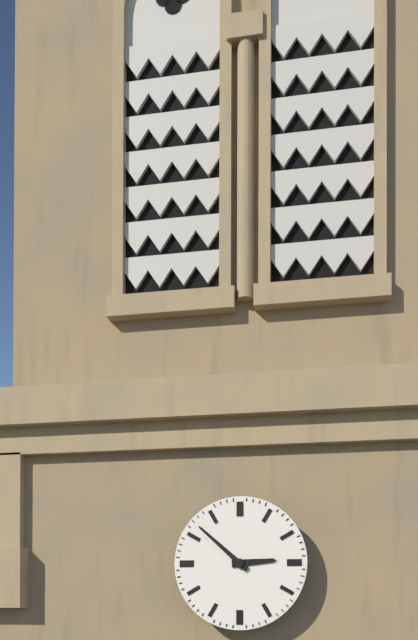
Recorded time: **2:52**
